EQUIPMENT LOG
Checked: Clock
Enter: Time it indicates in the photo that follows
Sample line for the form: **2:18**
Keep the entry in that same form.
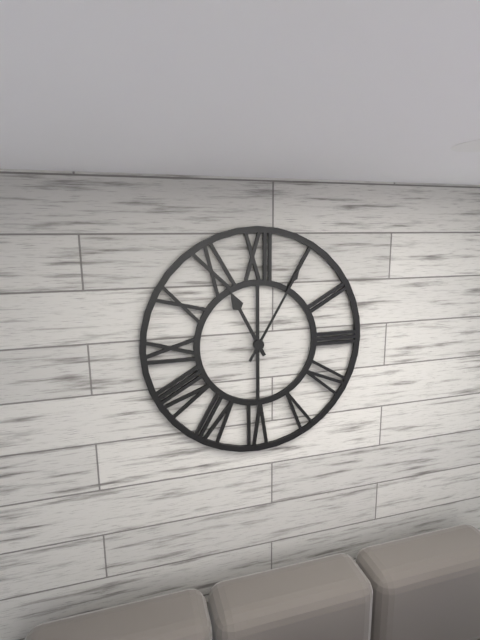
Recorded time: **11:05**
